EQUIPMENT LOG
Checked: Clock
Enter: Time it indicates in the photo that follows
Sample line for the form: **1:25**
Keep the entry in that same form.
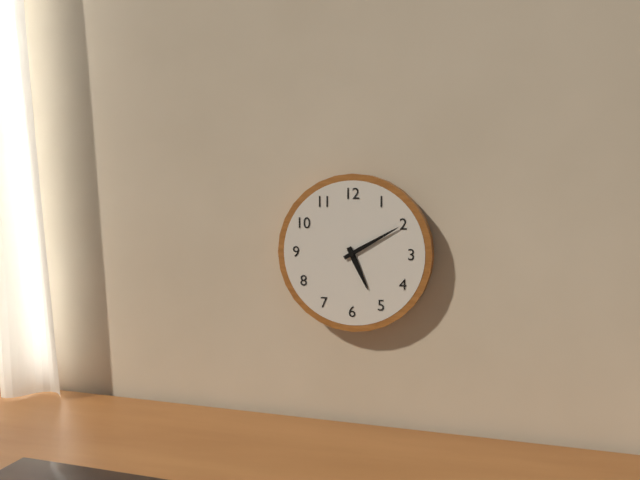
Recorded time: **5:10**
